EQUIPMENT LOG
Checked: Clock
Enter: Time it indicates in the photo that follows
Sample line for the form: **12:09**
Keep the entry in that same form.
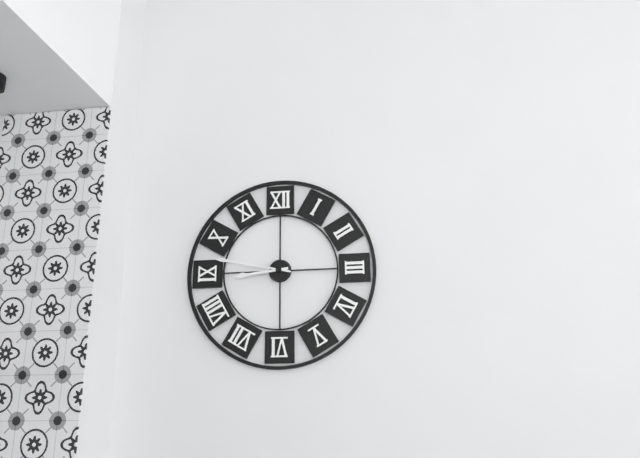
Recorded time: **8:47**
